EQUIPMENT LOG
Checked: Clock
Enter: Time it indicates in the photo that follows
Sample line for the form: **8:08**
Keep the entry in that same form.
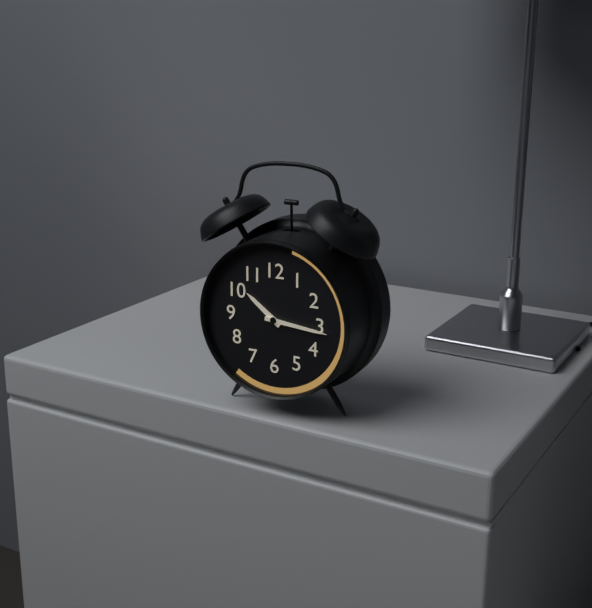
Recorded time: **10:16**
